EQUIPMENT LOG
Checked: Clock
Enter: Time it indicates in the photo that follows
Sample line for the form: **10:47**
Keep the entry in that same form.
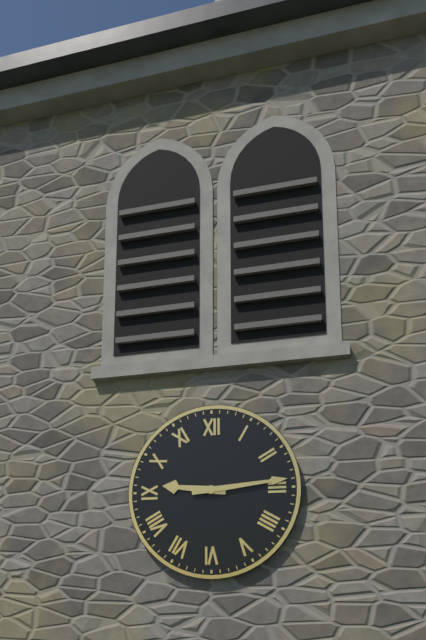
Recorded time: **9:14**
